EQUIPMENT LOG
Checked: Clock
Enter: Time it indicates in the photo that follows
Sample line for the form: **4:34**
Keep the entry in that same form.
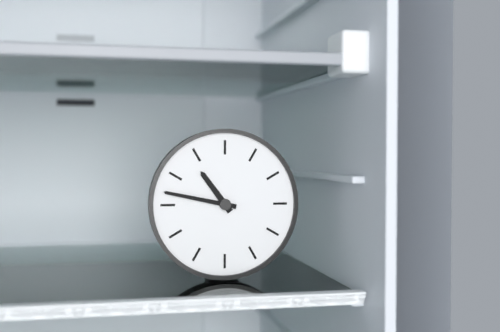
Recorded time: **10:47**
